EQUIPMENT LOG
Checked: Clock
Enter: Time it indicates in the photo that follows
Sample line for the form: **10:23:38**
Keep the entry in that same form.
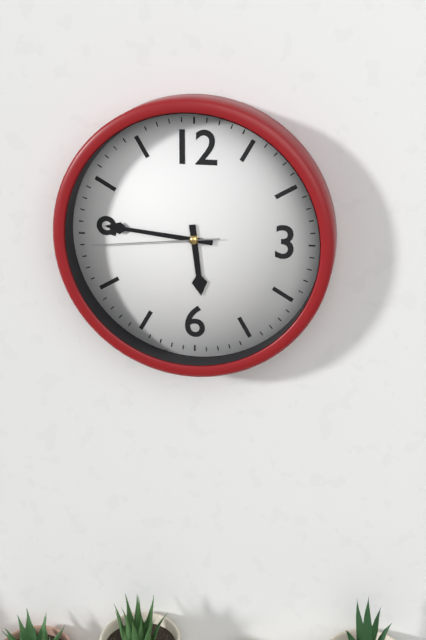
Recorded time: **5:46:44**
